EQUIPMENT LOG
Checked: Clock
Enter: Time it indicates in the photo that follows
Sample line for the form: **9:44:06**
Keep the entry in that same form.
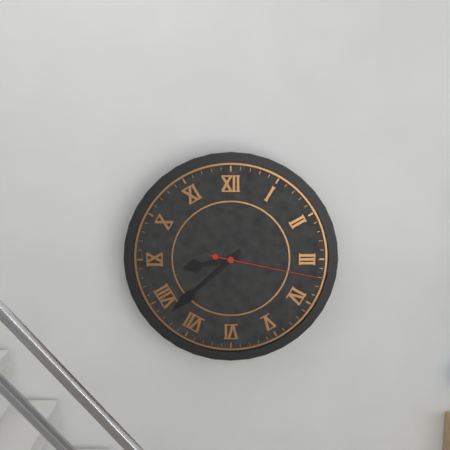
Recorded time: **8:38:17**
